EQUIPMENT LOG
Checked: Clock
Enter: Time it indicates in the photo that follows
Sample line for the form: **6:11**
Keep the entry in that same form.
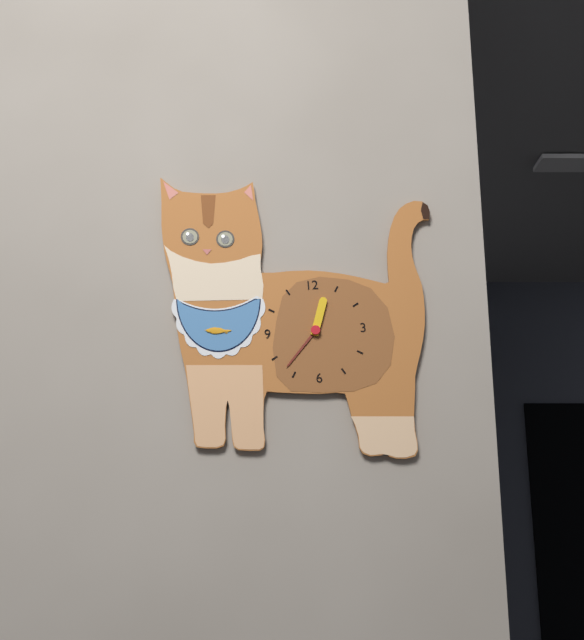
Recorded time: **12:37**
